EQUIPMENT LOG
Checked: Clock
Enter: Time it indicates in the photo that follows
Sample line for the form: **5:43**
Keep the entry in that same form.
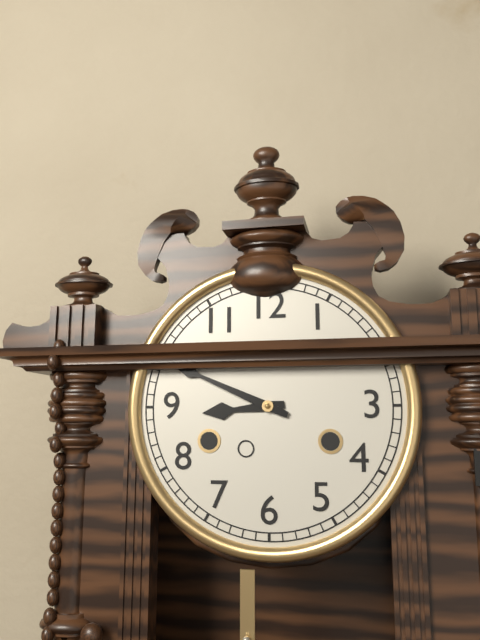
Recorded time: **8:49**
